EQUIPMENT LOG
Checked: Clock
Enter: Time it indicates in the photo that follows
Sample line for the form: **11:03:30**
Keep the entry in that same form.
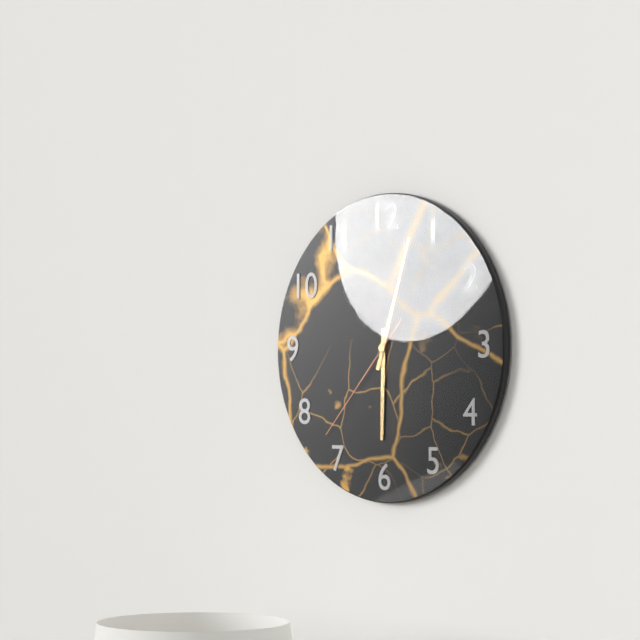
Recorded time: **6:03:37**
